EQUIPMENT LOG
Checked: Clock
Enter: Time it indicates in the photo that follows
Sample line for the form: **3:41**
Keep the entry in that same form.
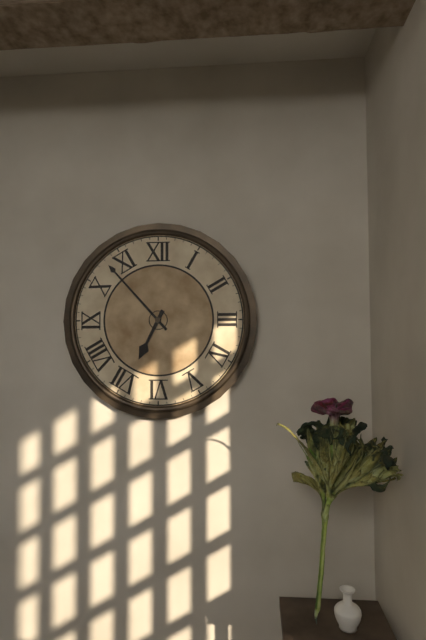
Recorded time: **6:53**
